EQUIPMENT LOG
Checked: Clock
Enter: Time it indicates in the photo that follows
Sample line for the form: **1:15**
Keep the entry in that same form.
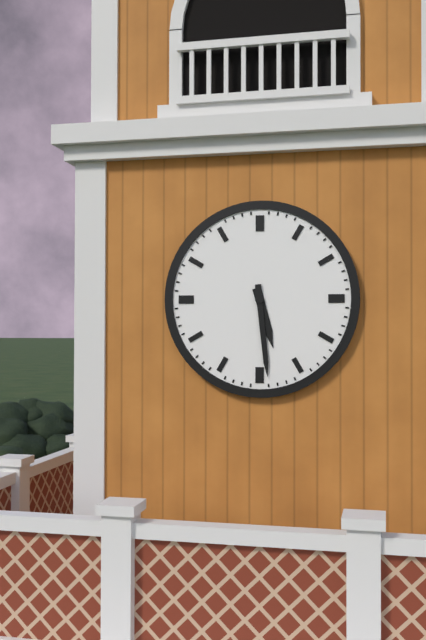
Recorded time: **5:29**
